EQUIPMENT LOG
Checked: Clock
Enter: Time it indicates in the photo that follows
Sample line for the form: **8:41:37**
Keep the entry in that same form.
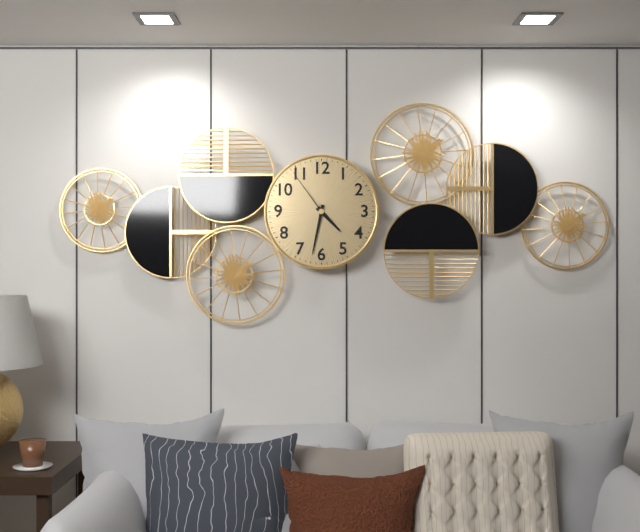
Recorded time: **4:32:54**
